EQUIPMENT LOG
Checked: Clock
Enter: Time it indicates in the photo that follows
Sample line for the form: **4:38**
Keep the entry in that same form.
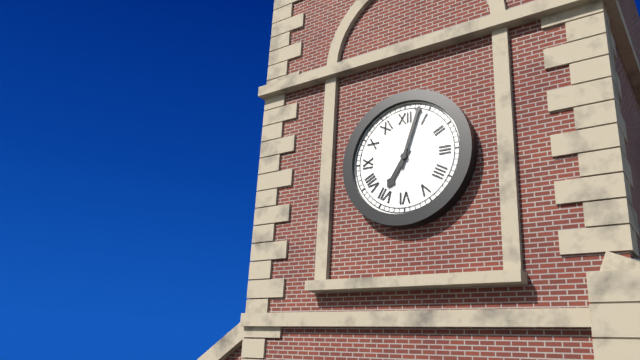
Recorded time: **7:03**
